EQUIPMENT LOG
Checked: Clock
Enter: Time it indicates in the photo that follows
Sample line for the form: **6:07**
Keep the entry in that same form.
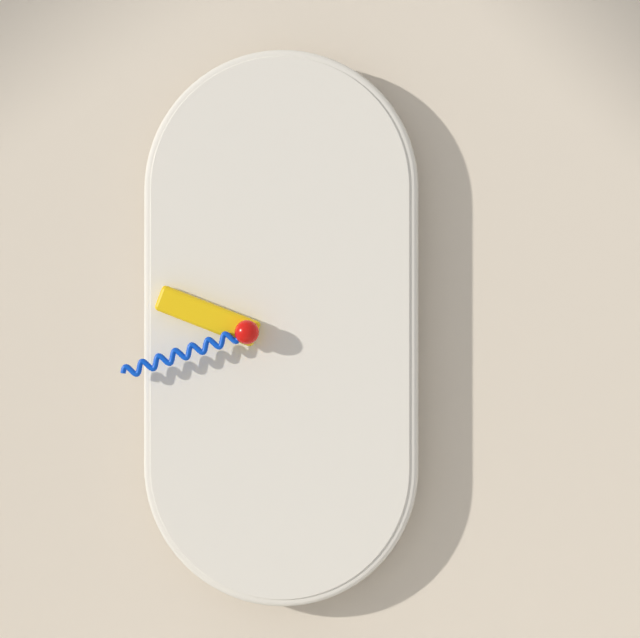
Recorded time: **9:42**
